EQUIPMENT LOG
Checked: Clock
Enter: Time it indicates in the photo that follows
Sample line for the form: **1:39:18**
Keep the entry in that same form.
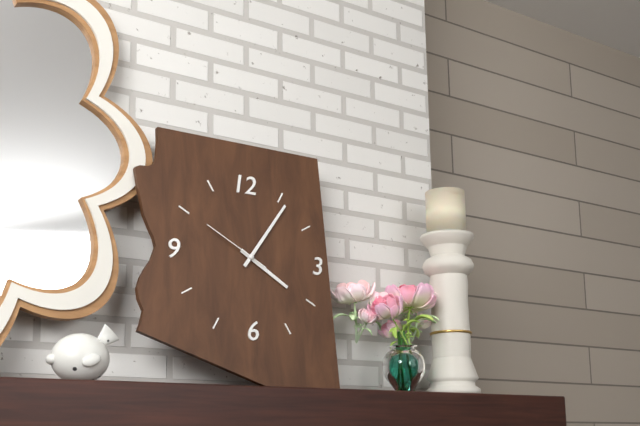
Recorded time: **4:06:50**
